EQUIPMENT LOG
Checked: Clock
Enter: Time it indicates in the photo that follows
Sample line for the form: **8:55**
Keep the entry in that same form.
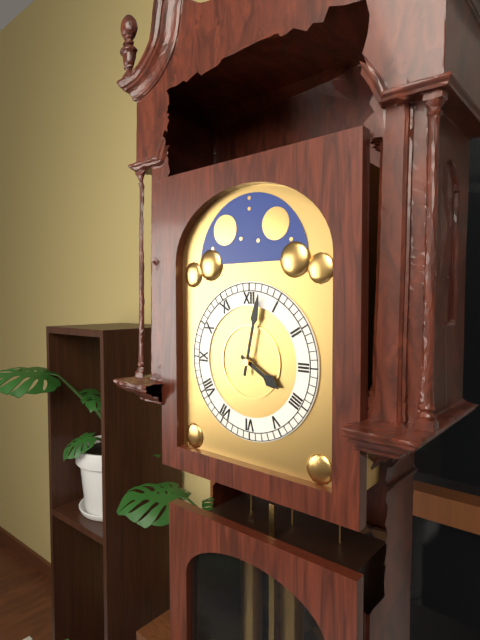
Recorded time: **4:02**
